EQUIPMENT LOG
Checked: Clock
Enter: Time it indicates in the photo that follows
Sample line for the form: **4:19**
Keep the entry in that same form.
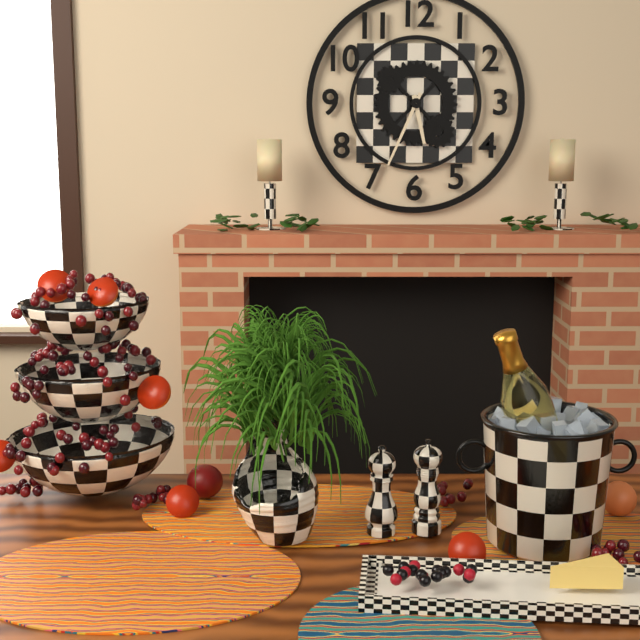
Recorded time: **5:34**
